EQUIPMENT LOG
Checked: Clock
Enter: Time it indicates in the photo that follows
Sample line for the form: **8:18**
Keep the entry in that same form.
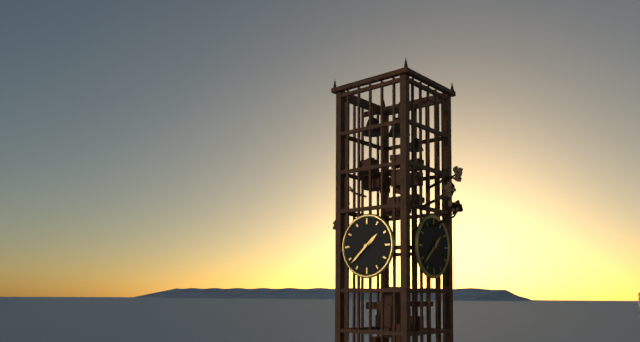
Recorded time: **1:38**
